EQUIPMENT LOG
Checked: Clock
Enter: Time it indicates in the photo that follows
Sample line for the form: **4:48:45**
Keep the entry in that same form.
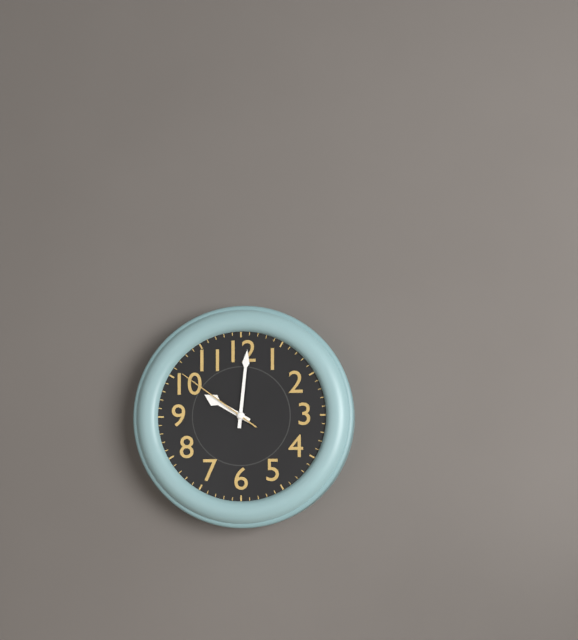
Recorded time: **10:01:51**
